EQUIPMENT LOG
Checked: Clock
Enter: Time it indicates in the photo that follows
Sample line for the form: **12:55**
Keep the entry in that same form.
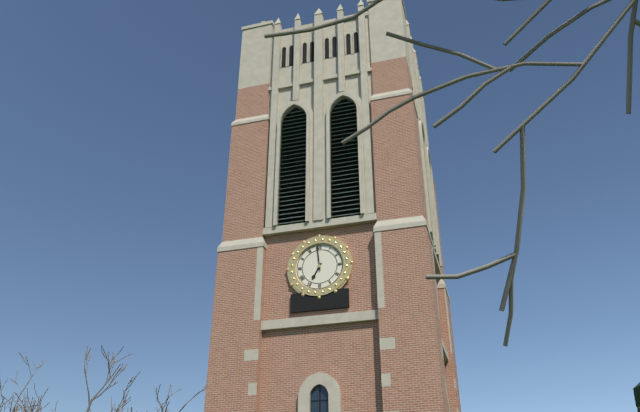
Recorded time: **6:59**
